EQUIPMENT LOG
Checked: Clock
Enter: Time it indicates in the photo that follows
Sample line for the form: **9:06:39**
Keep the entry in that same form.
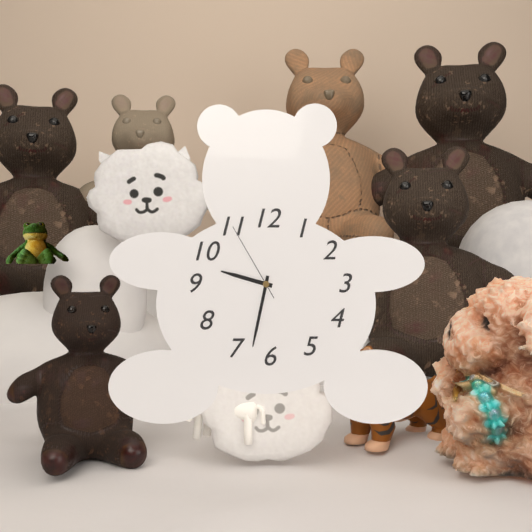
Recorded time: **9:32:55**
